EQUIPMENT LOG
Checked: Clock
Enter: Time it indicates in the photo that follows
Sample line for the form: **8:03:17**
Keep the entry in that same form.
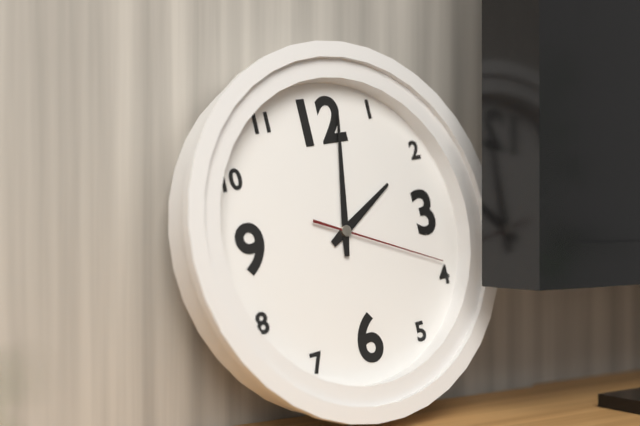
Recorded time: **2:02:19**
